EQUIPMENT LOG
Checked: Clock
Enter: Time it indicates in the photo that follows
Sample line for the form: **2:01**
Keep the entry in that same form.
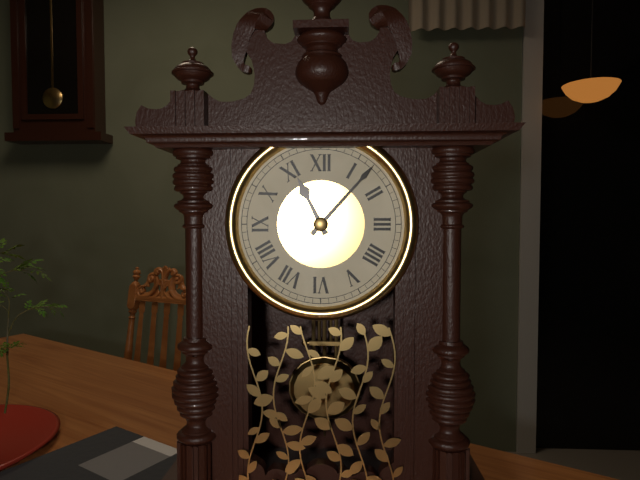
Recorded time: **11:07**
